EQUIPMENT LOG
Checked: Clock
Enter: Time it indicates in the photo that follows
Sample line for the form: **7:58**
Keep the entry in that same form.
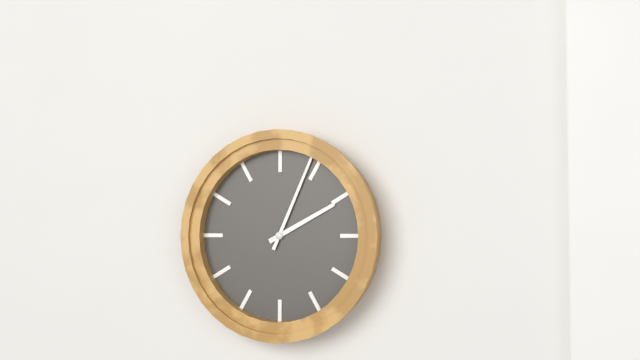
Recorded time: **2:04**
